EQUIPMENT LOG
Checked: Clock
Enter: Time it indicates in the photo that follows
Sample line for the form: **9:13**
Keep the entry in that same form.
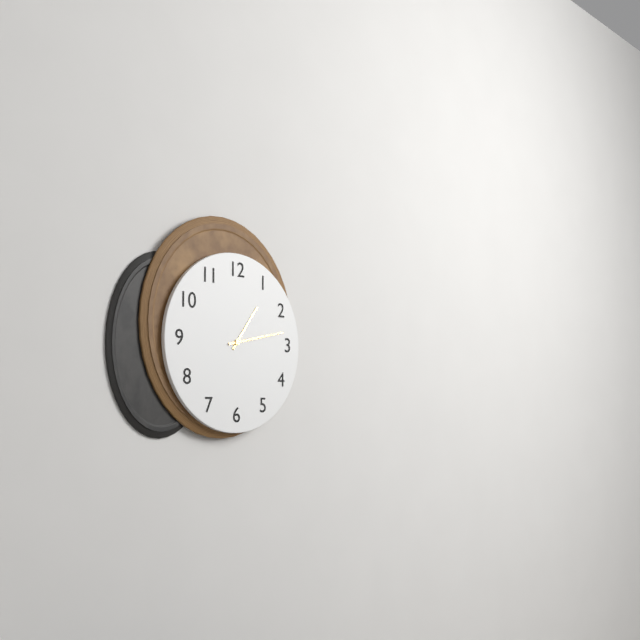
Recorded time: **1:13**
